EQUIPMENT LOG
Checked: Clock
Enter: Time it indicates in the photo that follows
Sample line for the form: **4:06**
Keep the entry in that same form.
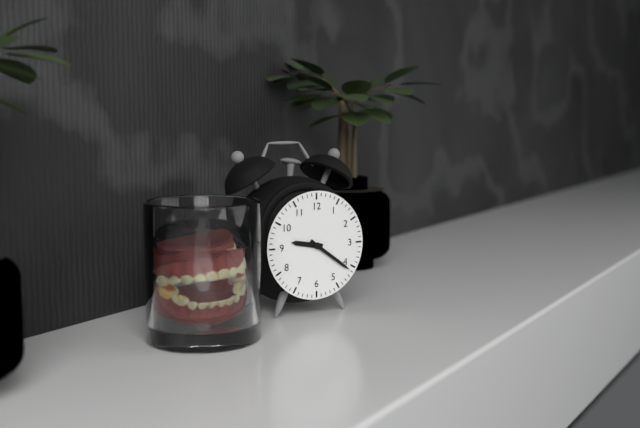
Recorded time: **9:21**
